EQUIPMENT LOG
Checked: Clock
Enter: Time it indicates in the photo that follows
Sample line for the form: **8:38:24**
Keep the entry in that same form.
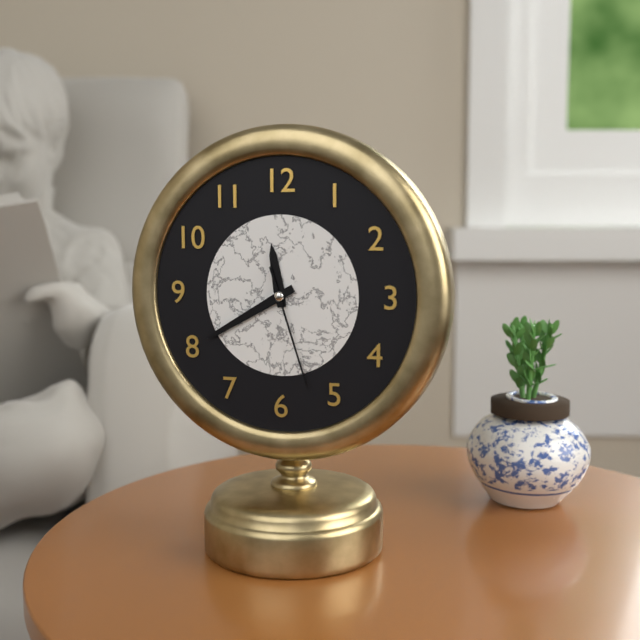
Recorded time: **11:40:27**
